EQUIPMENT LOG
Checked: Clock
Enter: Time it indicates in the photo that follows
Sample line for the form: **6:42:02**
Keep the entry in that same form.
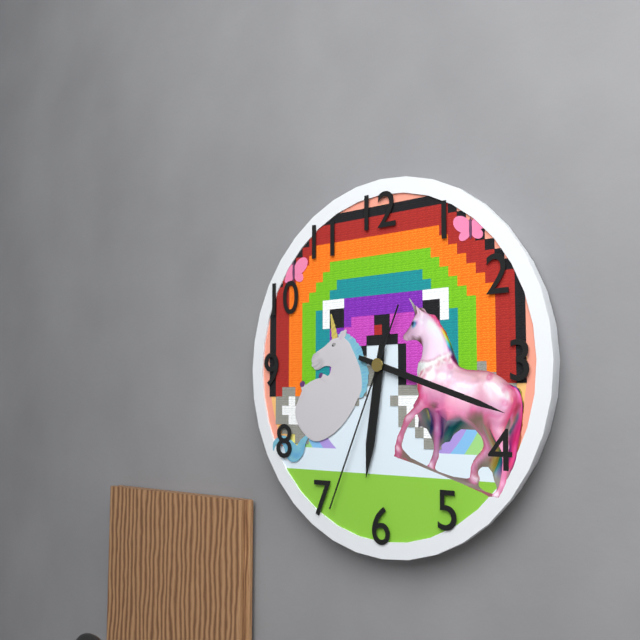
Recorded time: **6:18:34**
